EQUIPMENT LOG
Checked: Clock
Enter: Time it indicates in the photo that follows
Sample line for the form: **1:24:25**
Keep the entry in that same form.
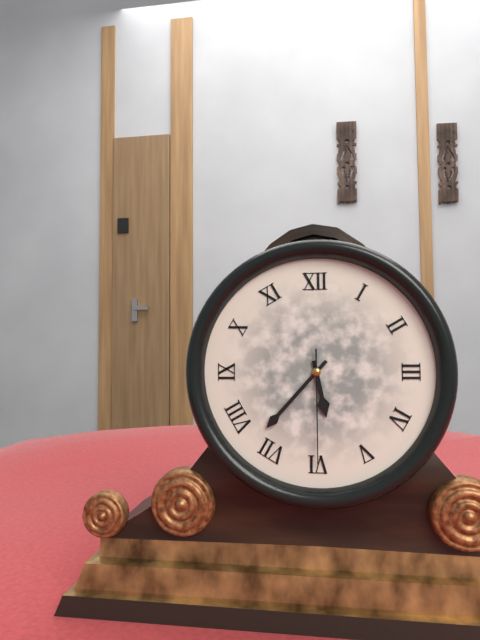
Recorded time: **5:37:30**
